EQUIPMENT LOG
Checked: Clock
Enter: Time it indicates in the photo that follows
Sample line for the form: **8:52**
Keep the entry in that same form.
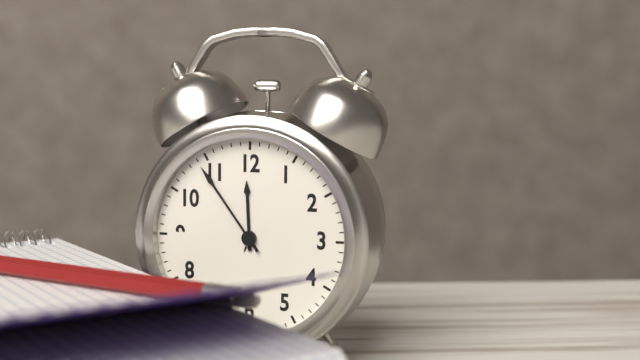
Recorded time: **11:54**
